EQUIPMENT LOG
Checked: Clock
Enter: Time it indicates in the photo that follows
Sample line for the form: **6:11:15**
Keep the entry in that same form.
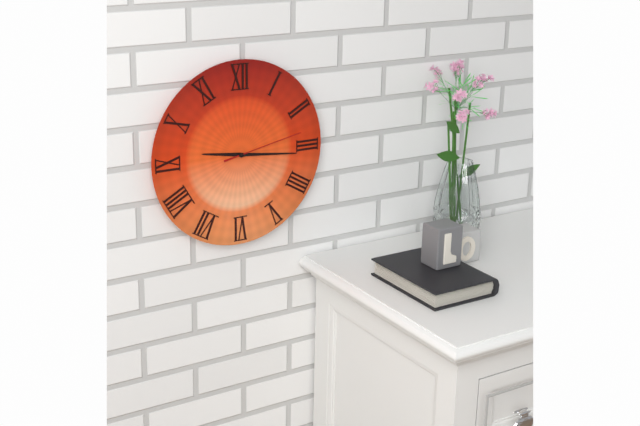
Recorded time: **9:16:13**
